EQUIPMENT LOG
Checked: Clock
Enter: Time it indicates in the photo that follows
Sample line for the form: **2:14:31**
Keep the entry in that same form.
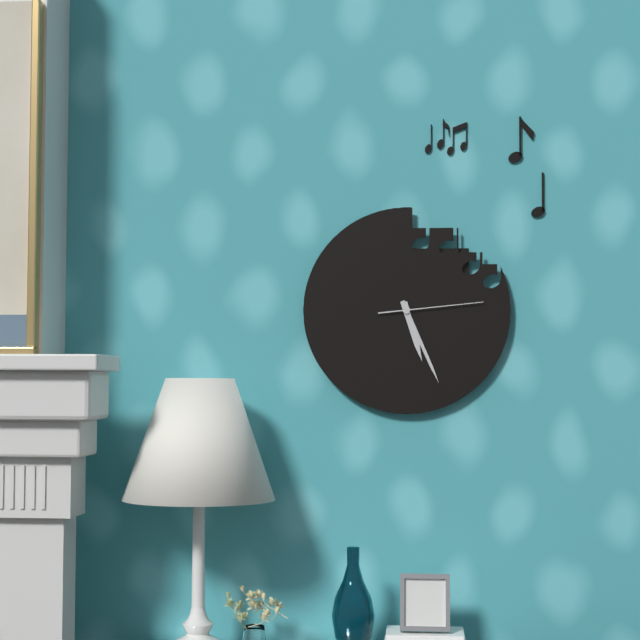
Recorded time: **5:26:14**
